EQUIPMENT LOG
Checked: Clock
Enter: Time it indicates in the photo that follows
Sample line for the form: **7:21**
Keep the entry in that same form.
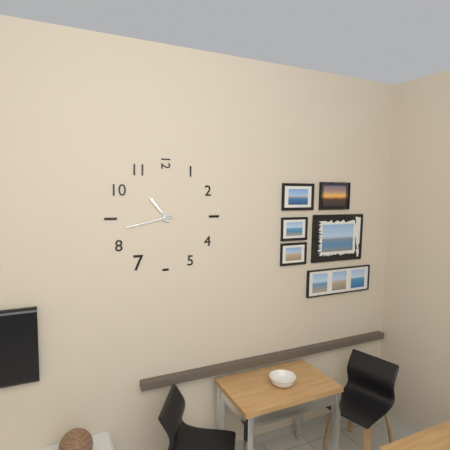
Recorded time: **10:43**
